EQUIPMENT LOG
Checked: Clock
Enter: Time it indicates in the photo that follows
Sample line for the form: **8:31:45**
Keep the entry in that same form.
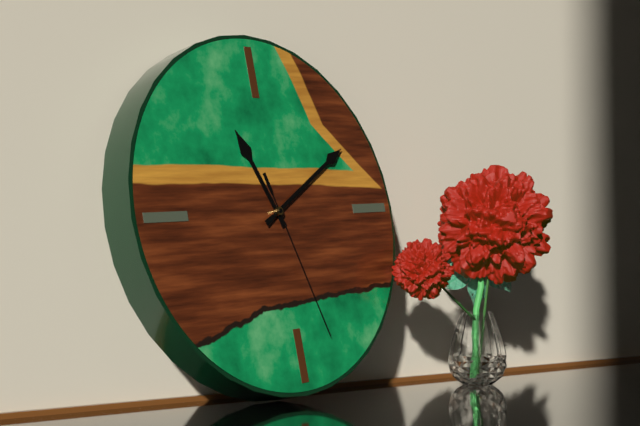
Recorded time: **11:10:27**
